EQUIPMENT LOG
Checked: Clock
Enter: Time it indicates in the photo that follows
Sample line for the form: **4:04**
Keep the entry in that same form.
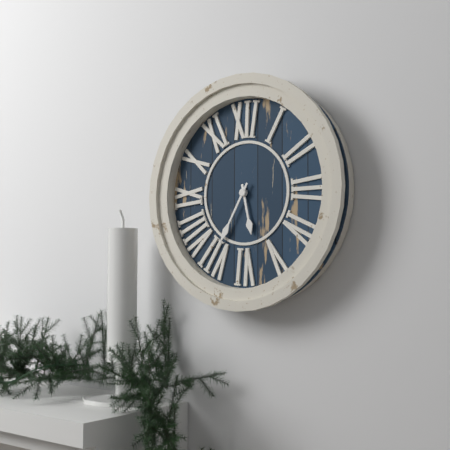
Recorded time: **5:35**
